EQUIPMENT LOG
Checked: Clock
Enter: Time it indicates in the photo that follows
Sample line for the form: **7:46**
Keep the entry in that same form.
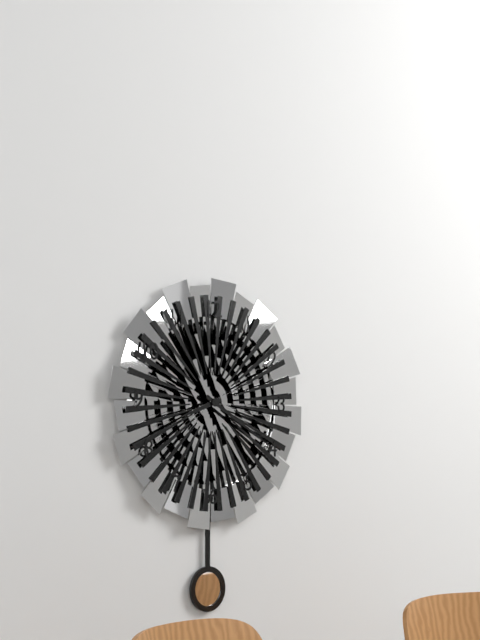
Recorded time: **8:20**
